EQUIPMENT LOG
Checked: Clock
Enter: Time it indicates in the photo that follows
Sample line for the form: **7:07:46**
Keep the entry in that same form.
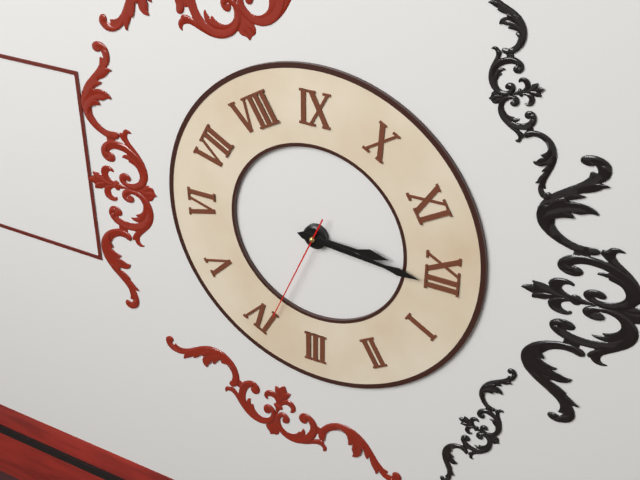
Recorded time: **12:01:19**
